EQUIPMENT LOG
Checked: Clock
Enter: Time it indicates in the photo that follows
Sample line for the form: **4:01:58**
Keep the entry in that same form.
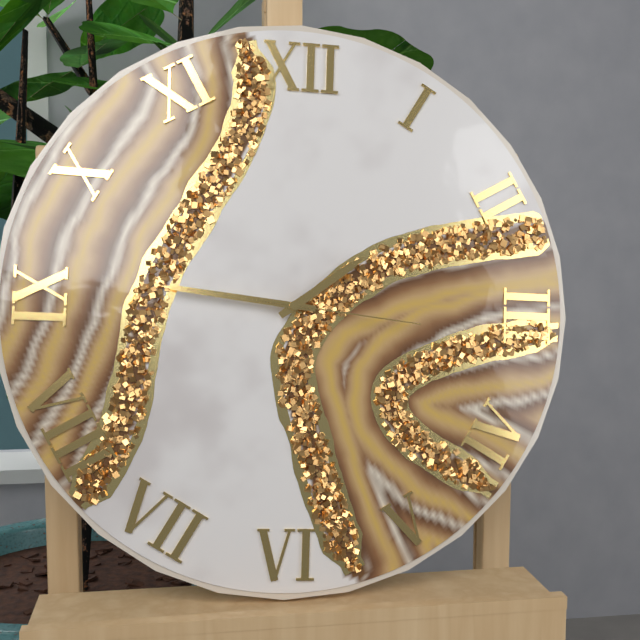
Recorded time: **1:46:16**
